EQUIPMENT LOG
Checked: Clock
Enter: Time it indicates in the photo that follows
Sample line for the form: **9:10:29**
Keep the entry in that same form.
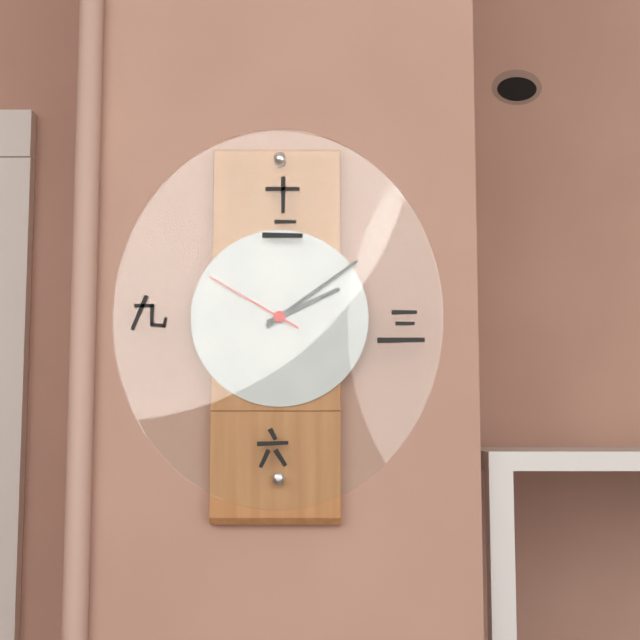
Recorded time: **2:09:50**
